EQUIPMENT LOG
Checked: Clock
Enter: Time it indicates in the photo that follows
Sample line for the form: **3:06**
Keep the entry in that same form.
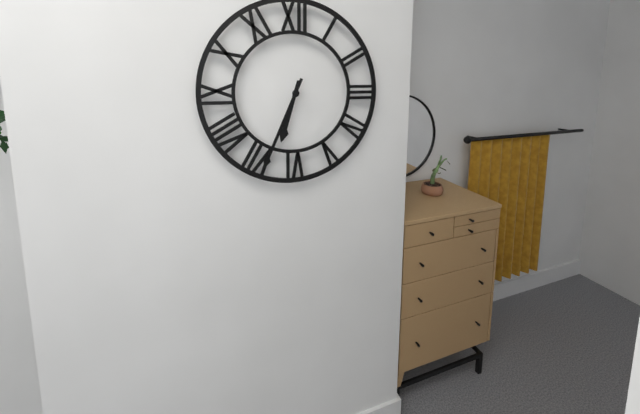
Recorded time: **6:34**
